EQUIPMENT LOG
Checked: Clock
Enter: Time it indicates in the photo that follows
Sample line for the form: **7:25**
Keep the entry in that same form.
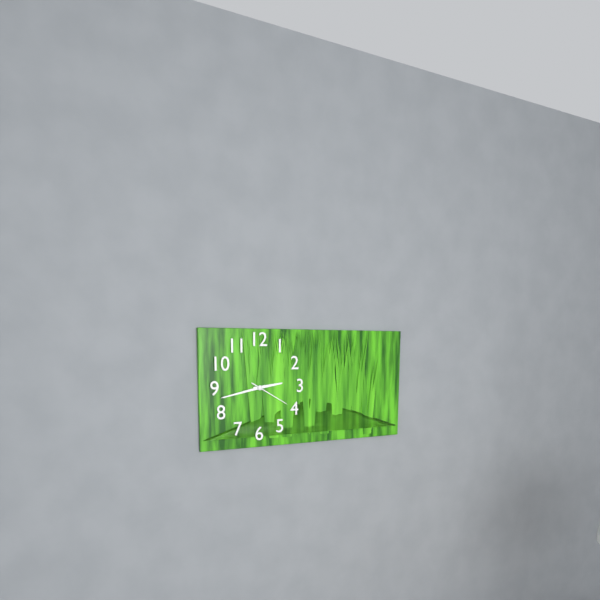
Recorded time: **2:43**
